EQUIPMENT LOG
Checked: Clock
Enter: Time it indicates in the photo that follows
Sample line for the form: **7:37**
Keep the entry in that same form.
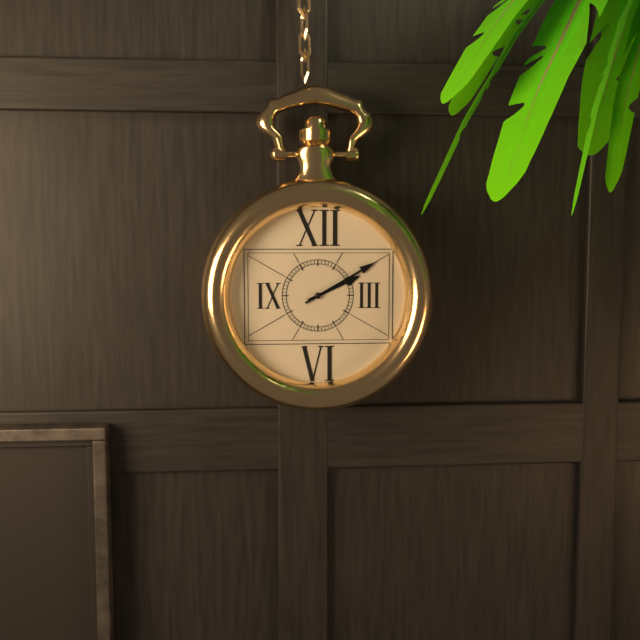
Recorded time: **2:10**
